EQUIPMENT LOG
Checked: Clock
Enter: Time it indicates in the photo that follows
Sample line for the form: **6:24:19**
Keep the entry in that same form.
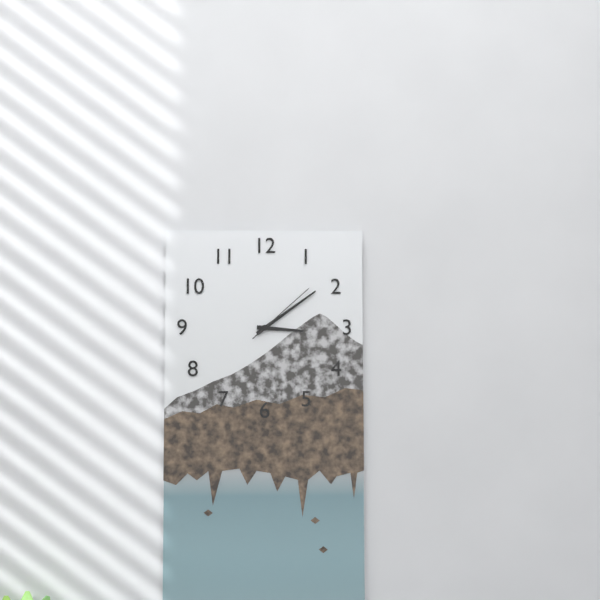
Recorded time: **3:09:08**
